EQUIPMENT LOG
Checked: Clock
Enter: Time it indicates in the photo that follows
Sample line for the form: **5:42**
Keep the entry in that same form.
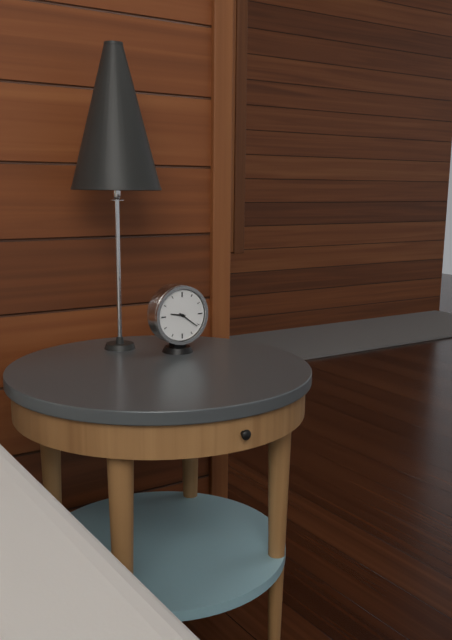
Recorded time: **9:21**
